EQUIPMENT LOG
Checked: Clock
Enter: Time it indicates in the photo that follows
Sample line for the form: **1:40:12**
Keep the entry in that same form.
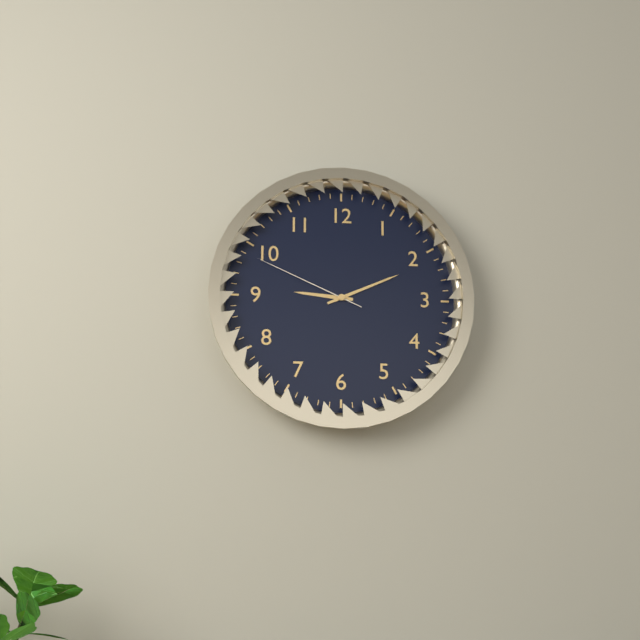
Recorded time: **9:11:49**
